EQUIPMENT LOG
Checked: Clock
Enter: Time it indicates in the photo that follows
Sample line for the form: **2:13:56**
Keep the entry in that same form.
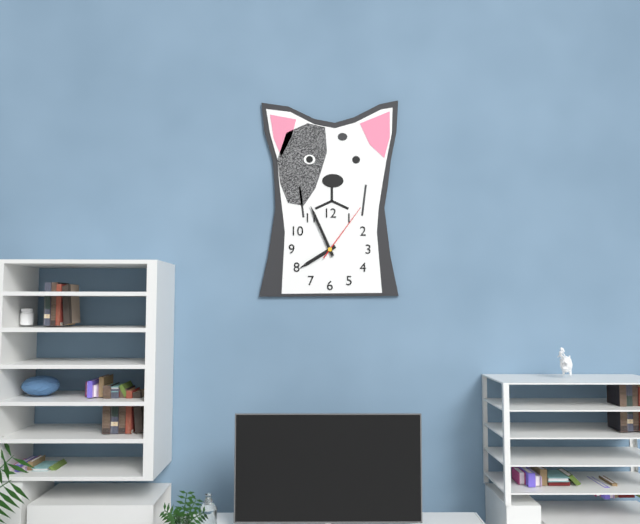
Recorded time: **7:56:06**
